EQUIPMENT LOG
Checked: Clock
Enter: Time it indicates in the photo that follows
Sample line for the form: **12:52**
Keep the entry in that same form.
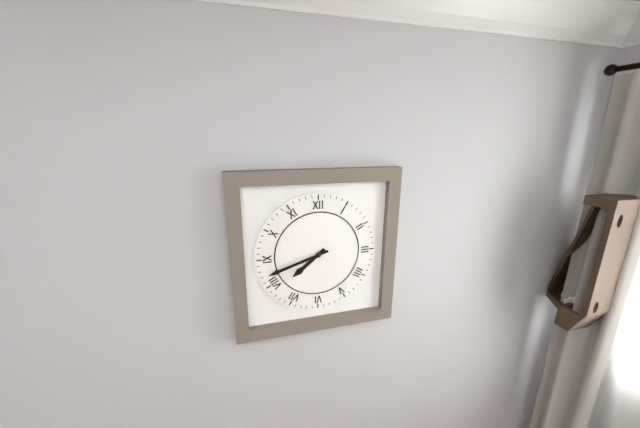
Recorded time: **7:42**
